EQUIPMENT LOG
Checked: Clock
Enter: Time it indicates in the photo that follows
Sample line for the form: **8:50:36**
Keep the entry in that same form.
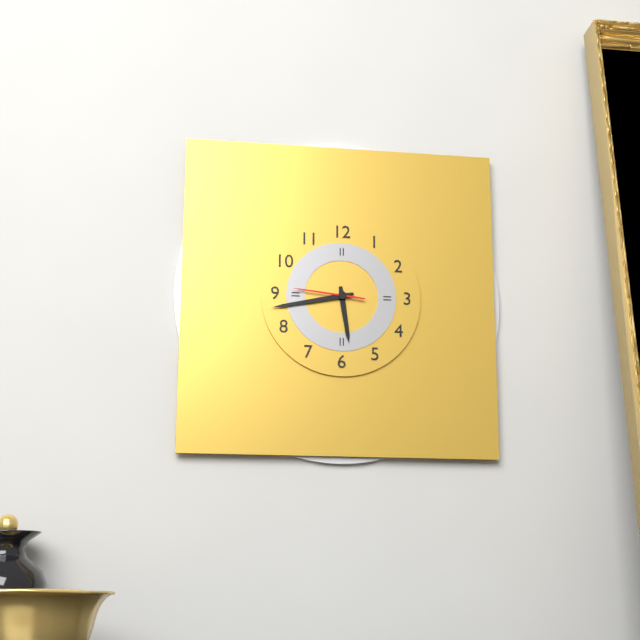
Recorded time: **5:43:46**
